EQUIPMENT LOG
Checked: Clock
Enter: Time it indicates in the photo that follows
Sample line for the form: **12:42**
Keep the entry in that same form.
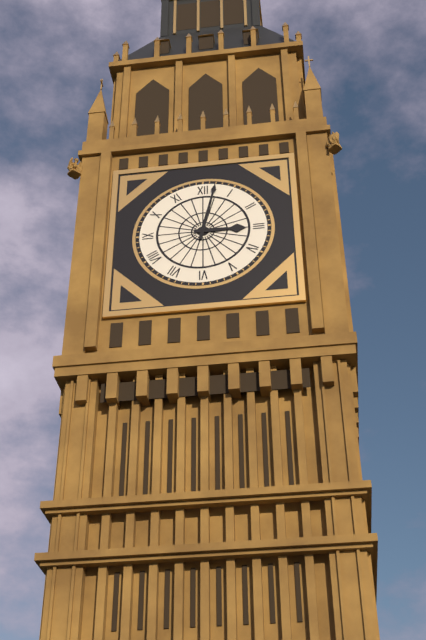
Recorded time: **3:02**
